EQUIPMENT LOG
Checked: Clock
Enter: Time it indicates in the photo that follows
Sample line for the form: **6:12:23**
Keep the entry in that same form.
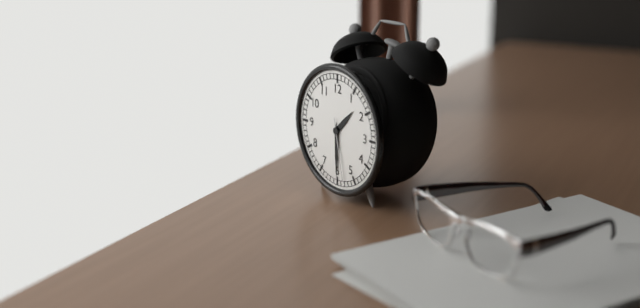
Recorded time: **1:30:28**
